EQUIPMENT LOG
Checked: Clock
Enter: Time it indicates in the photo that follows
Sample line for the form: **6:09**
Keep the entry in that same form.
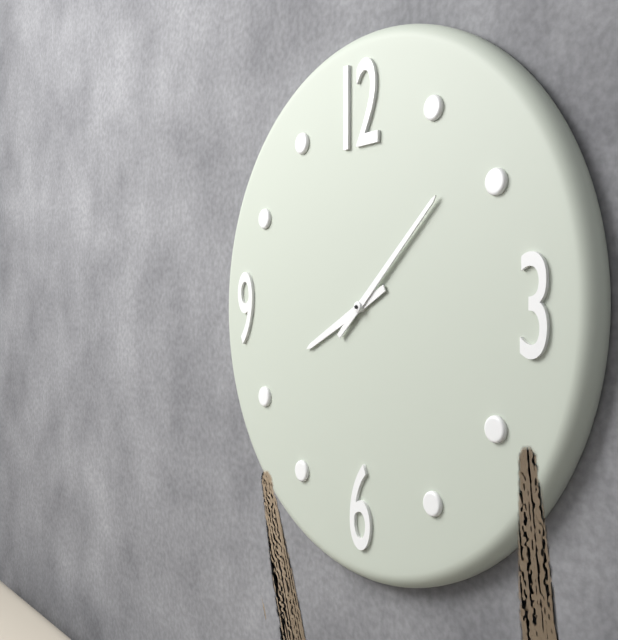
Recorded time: **8:08**
